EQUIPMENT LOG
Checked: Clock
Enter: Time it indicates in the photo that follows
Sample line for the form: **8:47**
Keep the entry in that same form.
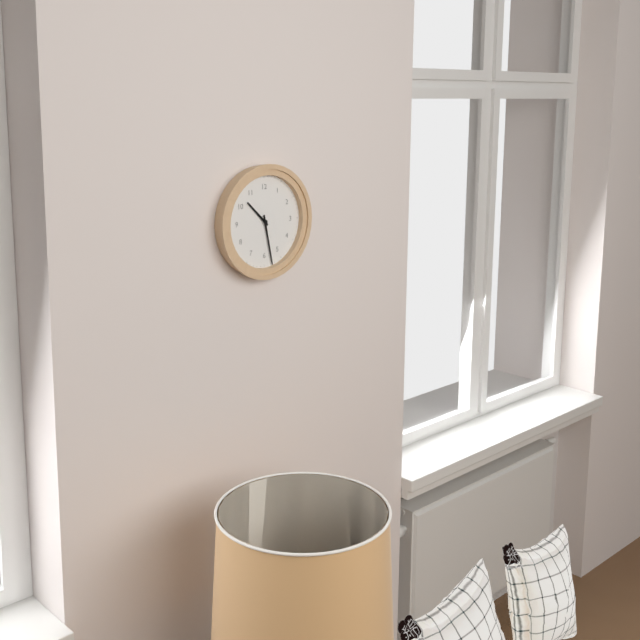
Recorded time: **10:28**
